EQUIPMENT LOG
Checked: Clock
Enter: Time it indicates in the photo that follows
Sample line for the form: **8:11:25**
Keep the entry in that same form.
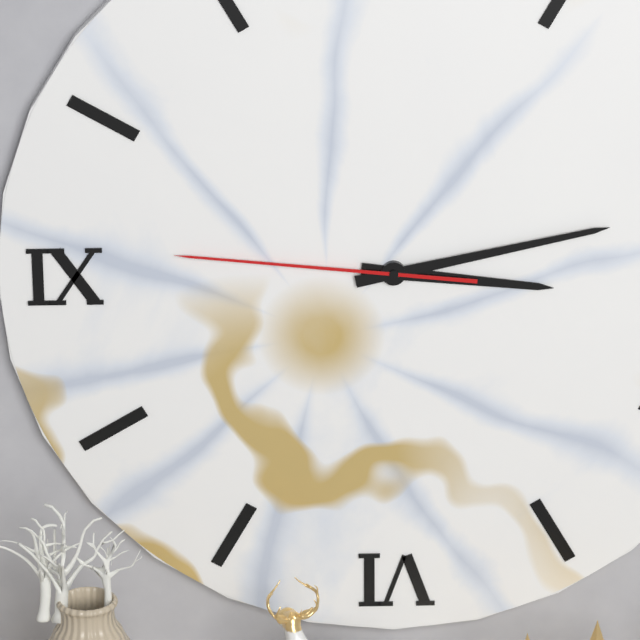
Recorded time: **3:13:46**
